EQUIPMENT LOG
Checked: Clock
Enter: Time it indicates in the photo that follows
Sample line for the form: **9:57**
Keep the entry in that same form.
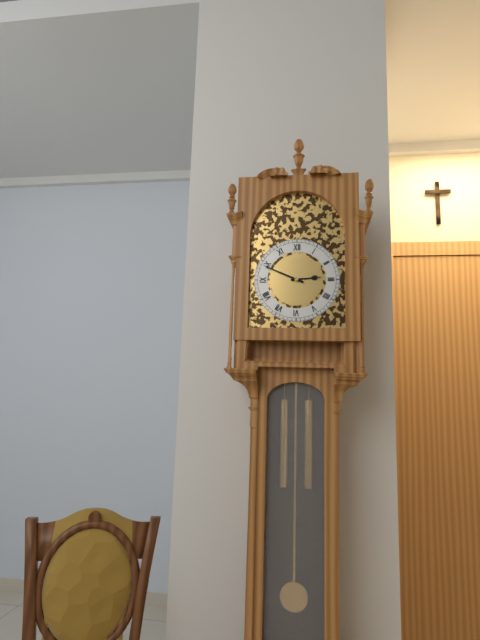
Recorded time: **2:49**
